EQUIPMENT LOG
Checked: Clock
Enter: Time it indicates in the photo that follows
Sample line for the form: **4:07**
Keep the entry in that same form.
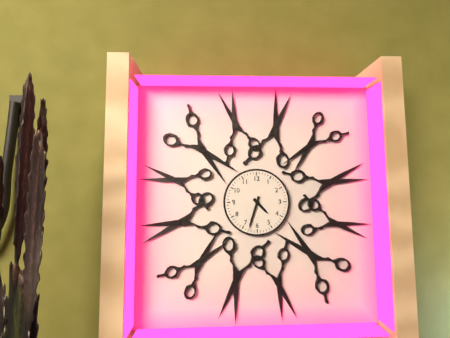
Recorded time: **4:33**
